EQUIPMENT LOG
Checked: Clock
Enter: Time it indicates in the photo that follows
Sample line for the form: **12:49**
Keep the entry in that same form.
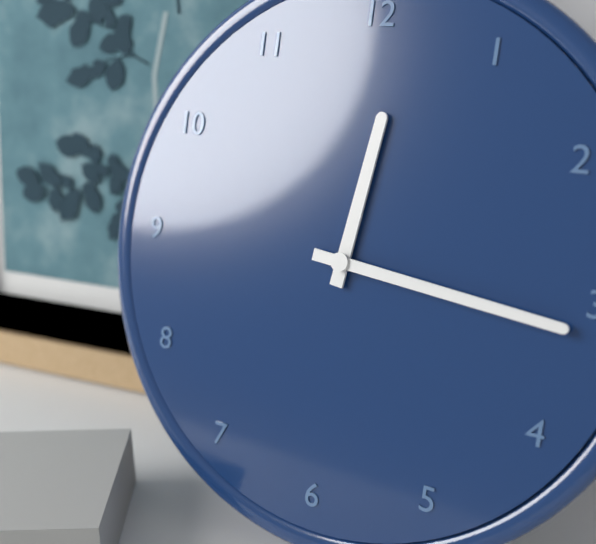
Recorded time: **12:16**
